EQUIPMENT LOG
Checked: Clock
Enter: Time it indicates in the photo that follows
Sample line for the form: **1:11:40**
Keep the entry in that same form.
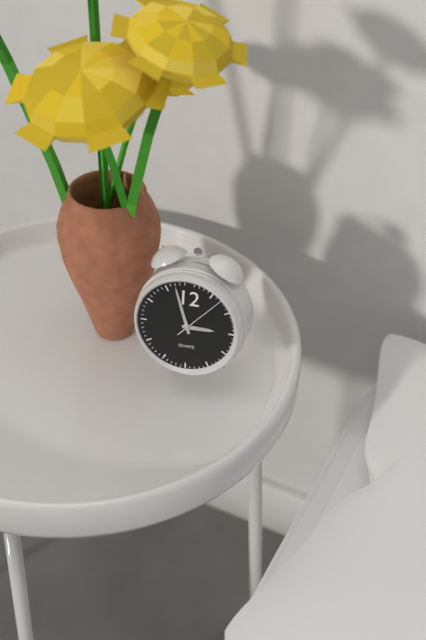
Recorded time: **2:57:07**
